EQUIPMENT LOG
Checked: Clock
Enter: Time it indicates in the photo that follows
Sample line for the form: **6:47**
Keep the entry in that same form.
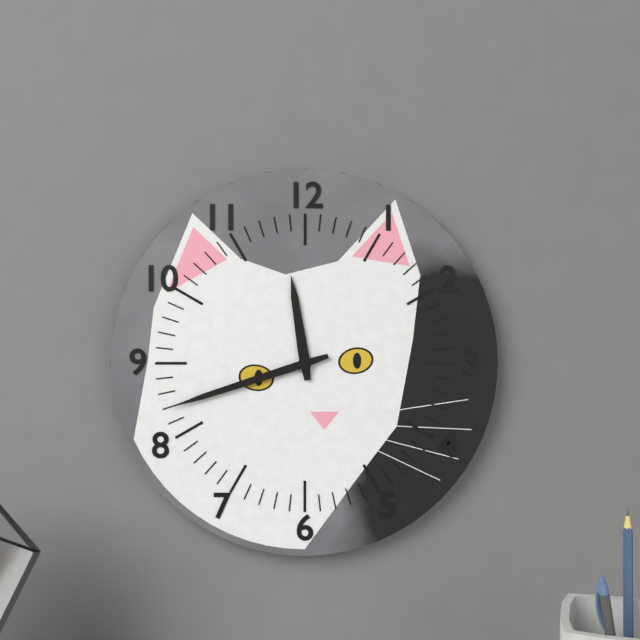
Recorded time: **11:42**
